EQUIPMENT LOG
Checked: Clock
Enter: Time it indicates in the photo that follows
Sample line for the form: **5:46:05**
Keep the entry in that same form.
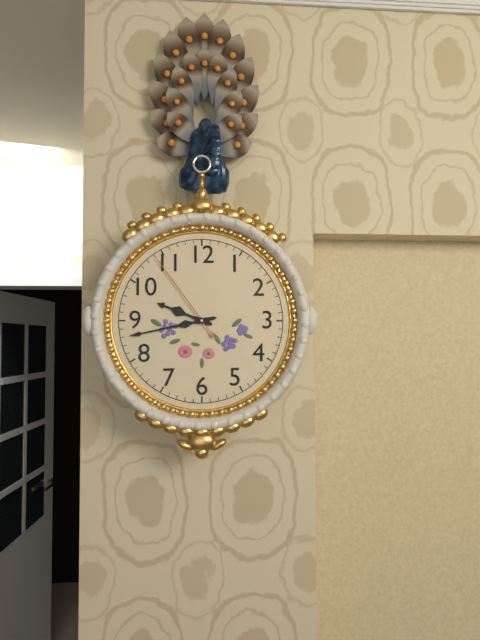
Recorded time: **9:43:54**
